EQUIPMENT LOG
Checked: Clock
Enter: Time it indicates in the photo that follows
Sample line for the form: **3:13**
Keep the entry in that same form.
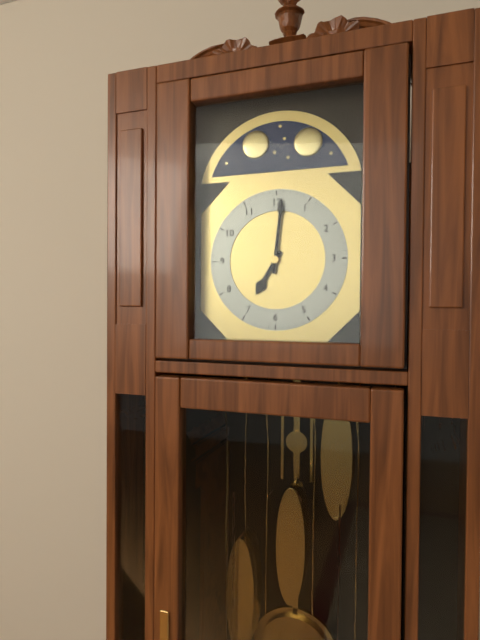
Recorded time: **7:01**
